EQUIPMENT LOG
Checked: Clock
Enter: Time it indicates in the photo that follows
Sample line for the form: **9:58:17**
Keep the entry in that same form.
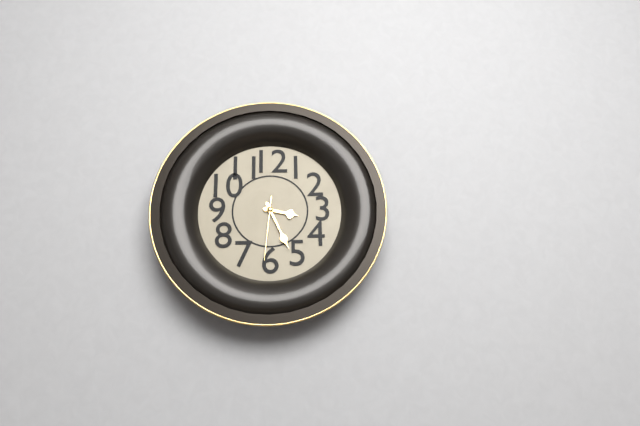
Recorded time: **3:26:31**
